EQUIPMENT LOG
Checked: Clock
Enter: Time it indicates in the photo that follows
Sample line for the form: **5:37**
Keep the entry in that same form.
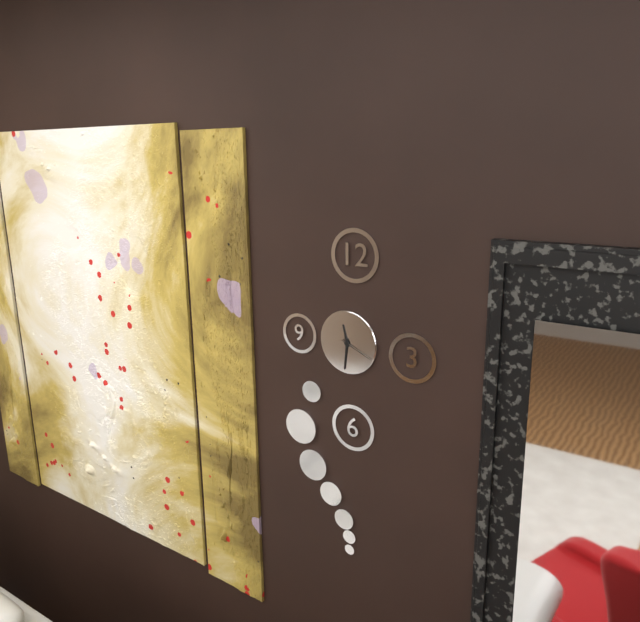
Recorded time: **11:31**
